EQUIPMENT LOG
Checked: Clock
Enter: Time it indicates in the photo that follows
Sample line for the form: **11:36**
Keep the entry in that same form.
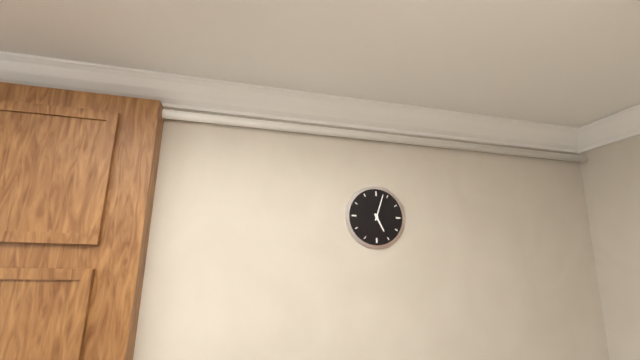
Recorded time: **5:03**
